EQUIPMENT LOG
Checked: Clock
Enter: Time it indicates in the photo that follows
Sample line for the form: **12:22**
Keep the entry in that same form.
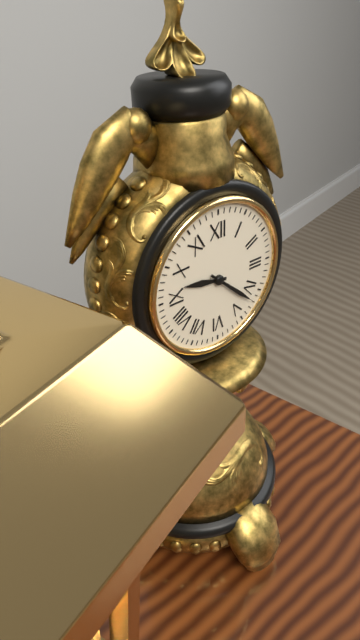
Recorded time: **9:22**
